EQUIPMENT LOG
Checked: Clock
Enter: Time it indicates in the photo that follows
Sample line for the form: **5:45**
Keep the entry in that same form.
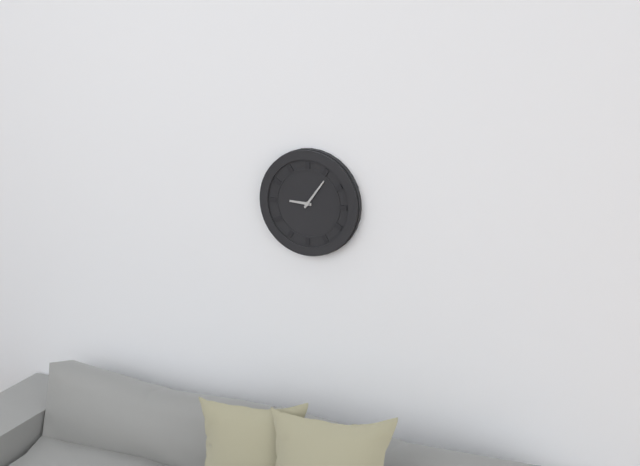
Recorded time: **9:06**
